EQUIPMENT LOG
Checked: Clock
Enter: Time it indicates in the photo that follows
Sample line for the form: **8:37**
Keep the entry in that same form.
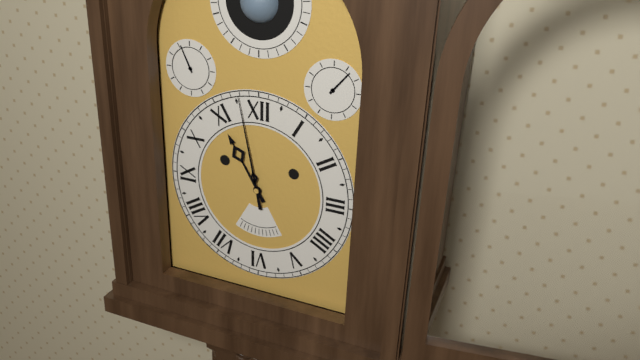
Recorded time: **10:58**
